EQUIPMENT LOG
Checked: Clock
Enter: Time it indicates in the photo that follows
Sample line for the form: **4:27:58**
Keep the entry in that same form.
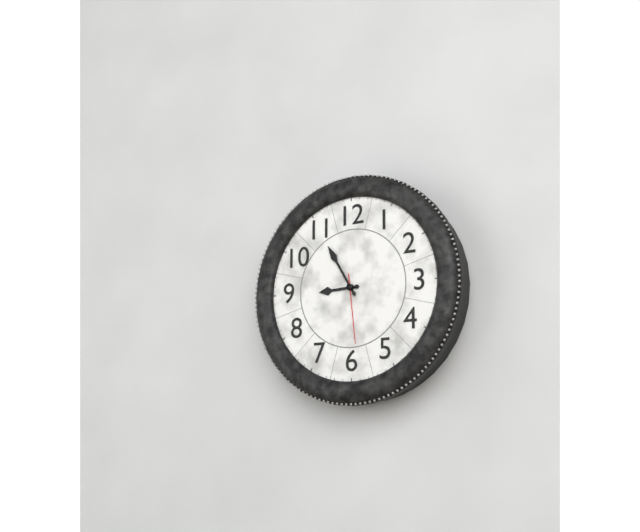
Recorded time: **8:55:29**
